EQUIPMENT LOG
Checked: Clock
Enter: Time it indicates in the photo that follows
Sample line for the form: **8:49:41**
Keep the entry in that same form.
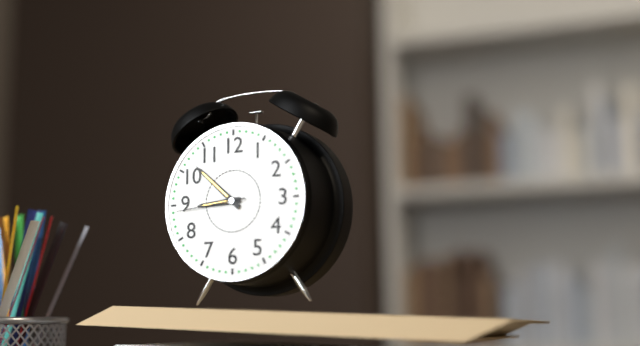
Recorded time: **8:52:44**
